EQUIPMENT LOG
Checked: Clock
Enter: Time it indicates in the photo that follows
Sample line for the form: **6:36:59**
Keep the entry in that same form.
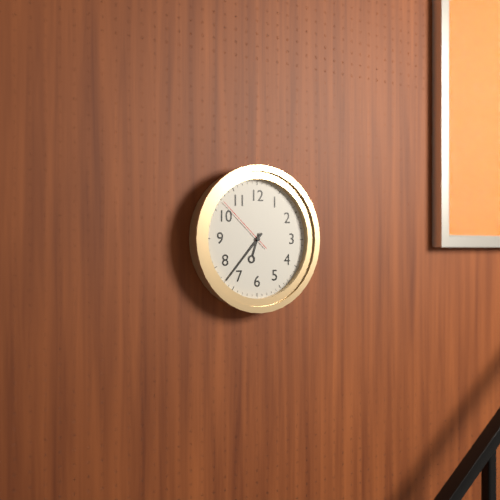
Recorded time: **6:37:52**
